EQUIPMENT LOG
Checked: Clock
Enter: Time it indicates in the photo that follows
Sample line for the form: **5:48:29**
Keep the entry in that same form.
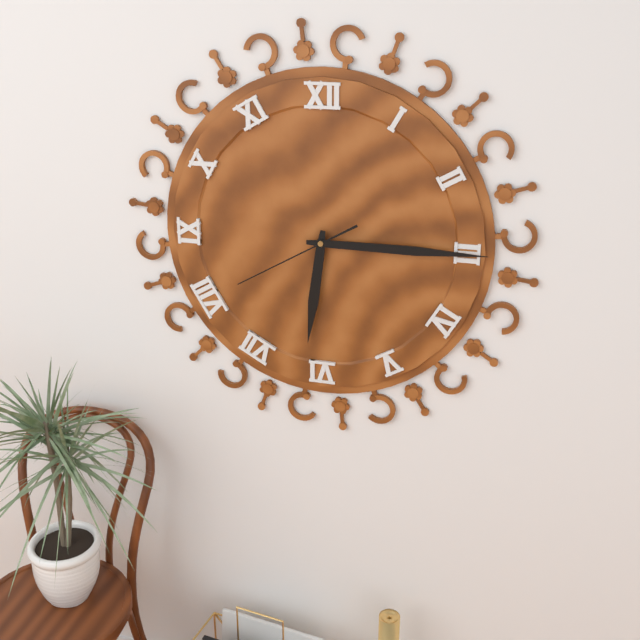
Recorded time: **6:15:40**
